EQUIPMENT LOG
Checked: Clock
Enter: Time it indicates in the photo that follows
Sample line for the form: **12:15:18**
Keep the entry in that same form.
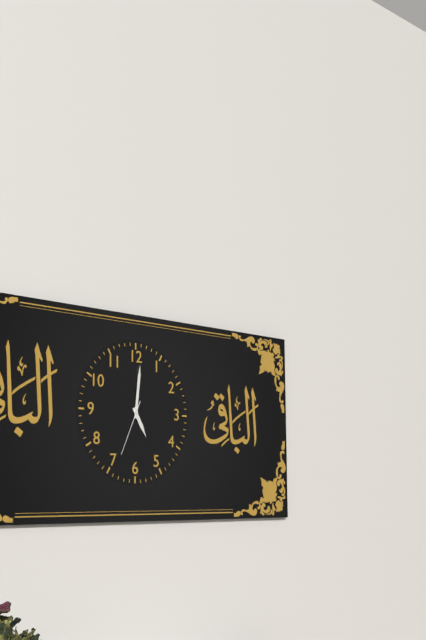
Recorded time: **5:01:34**
